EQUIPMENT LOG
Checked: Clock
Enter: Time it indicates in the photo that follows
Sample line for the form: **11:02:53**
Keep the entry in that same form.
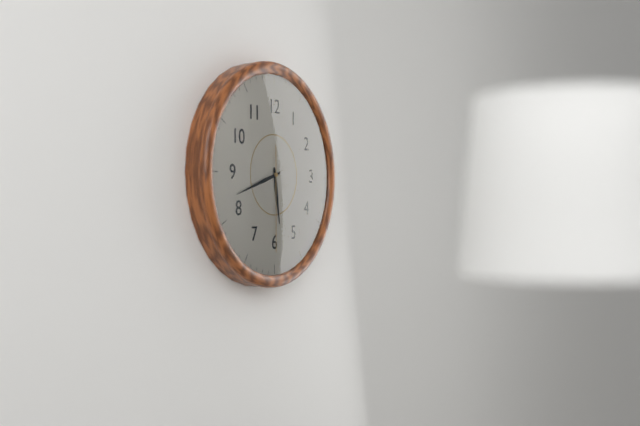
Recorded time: **5:42:30**
